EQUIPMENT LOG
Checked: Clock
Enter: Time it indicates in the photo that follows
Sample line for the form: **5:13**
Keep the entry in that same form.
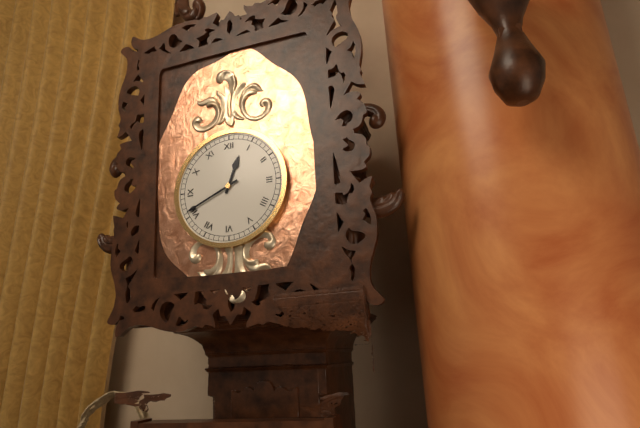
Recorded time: **12:41**
